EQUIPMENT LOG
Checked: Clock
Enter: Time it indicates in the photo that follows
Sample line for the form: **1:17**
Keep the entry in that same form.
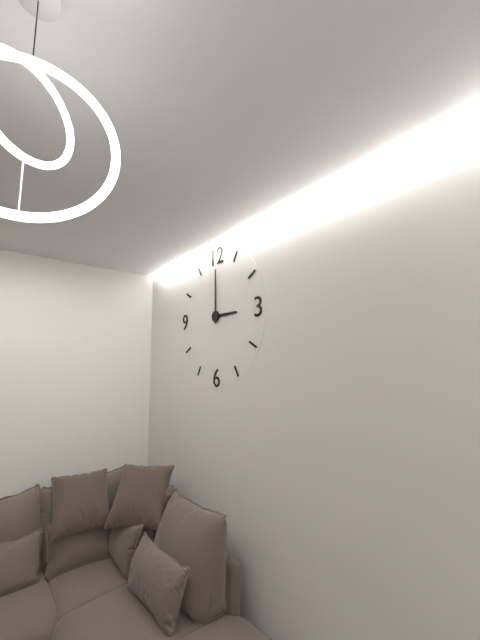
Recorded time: **3:00**
